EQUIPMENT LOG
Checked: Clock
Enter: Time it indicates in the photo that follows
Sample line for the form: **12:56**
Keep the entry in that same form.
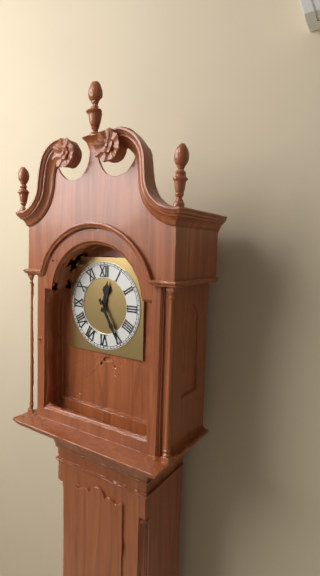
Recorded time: **12:25**
